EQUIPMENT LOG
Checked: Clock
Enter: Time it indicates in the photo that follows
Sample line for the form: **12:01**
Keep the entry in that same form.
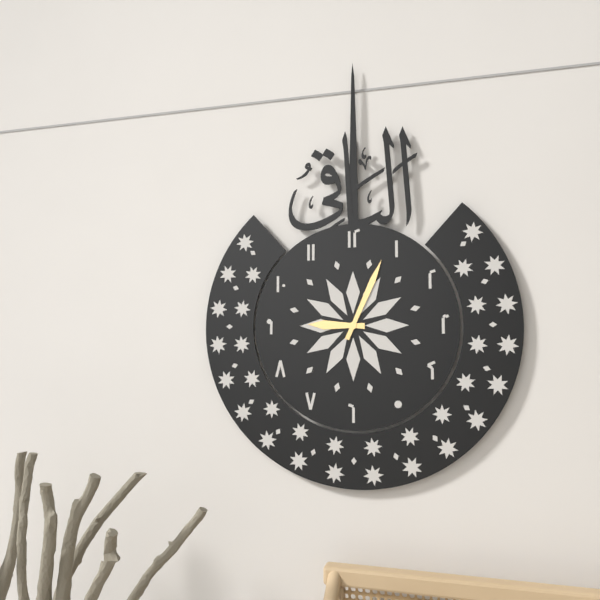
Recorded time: **9:04**
